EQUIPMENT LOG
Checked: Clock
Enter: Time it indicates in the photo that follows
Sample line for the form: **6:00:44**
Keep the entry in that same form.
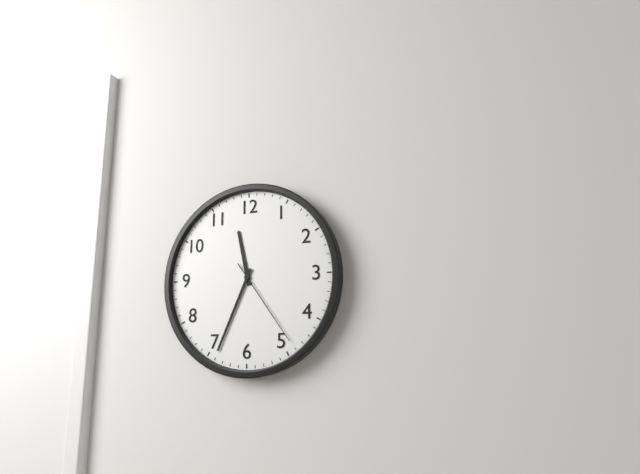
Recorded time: **11:34:24**
